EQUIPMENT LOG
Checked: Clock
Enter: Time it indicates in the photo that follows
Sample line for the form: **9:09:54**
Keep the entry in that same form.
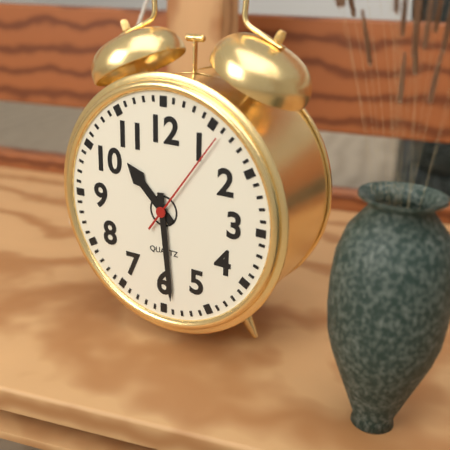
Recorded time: **10:29:06**
